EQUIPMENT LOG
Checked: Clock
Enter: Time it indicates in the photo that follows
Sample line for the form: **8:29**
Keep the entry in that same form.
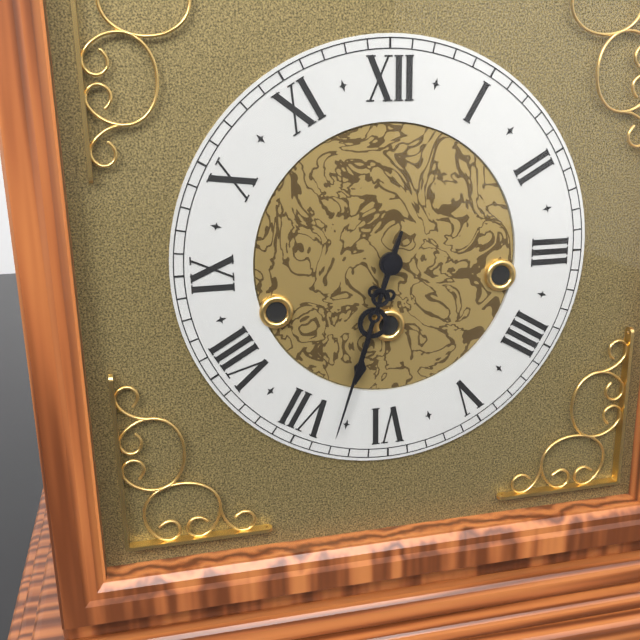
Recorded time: **6:33**
